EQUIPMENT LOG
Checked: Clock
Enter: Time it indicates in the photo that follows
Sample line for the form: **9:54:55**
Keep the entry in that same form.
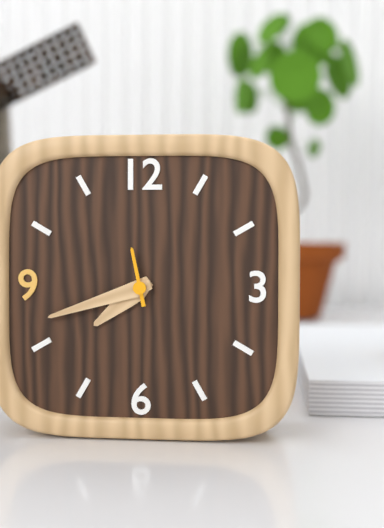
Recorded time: **7:42:58**
